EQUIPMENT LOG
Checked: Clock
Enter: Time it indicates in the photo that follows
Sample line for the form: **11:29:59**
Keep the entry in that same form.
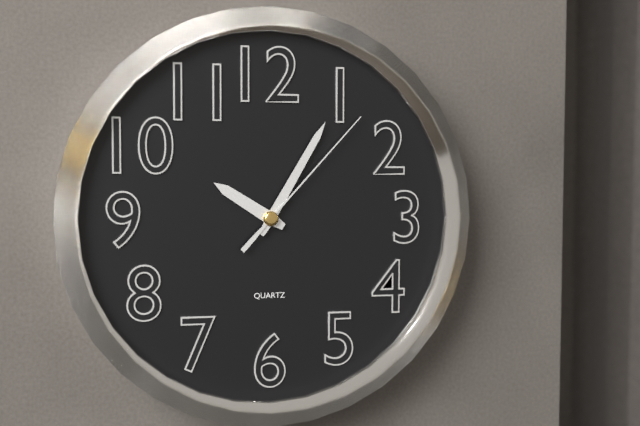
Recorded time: **10:05:07**
